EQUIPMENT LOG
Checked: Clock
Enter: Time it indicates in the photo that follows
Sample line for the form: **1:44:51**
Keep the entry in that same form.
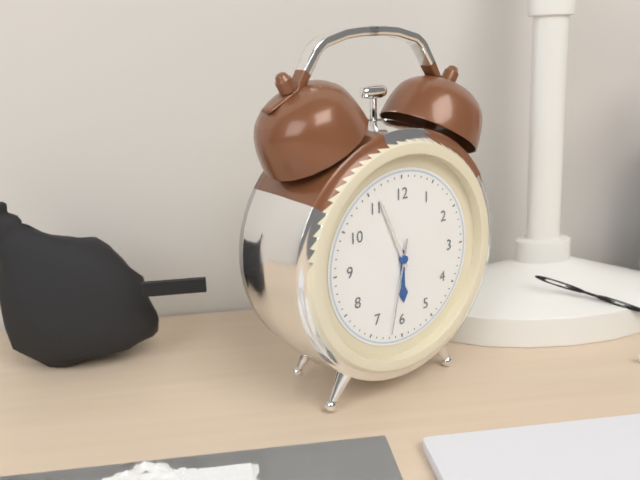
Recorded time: **5:56:32**
